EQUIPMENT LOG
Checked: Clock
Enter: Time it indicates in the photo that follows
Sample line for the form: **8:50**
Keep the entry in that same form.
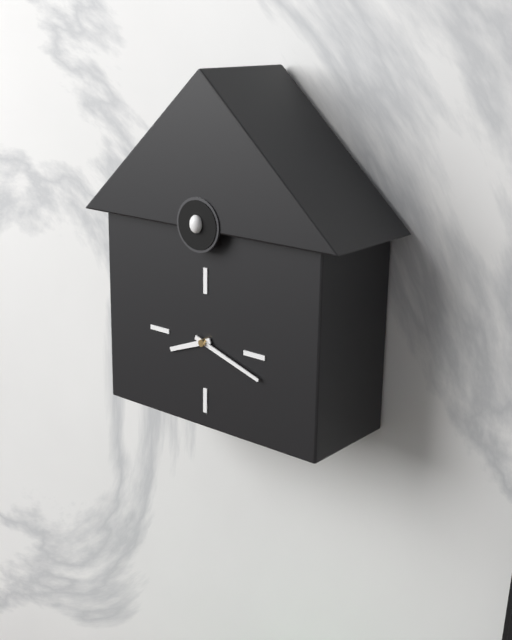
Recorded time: **8:18**
